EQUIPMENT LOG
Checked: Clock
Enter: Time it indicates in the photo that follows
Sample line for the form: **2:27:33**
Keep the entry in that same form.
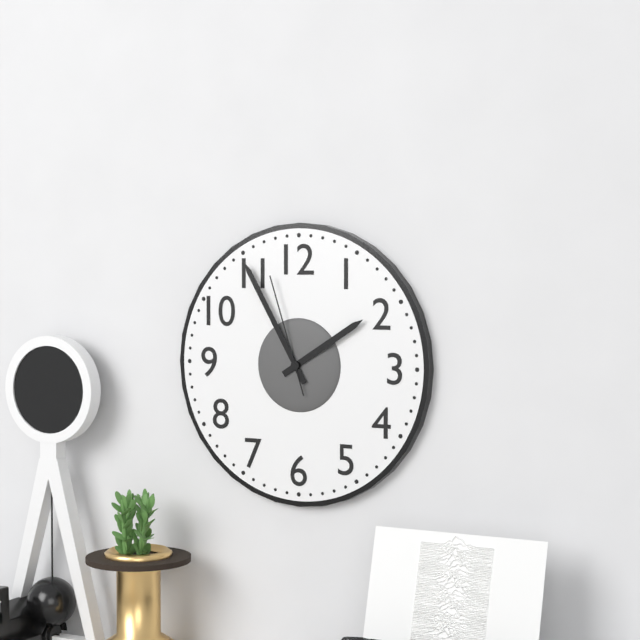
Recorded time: **1:55:57**
